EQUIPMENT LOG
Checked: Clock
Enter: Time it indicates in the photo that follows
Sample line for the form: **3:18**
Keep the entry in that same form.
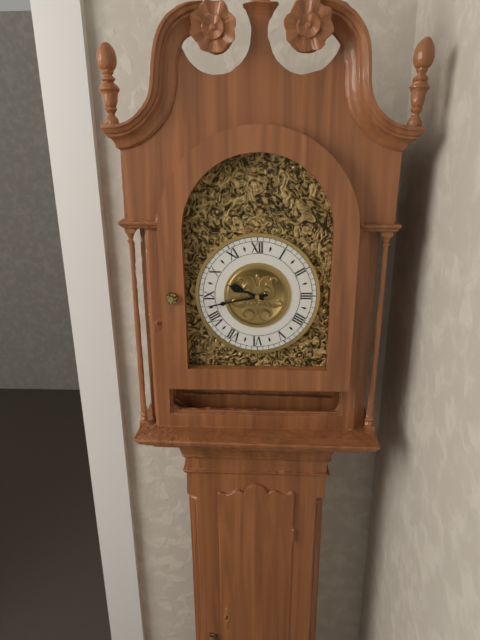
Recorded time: **9:43**
